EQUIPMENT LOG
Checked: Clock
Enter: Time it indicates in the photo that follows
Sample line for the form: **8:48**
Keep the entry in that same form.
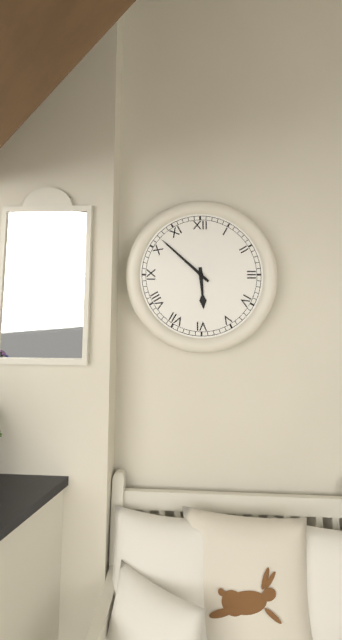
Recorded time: **5:52**
